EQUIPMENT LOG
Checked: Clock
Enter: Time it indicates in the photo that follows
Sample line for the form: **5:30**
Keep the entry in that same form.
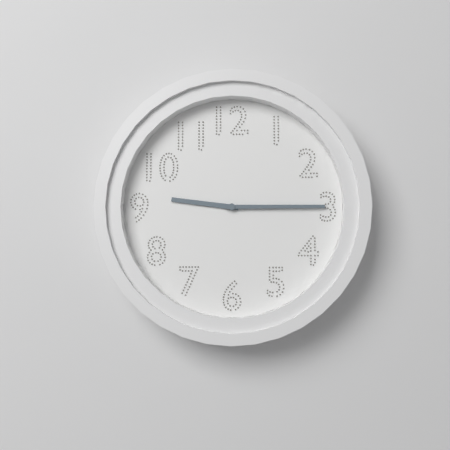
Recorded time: **9:15**
